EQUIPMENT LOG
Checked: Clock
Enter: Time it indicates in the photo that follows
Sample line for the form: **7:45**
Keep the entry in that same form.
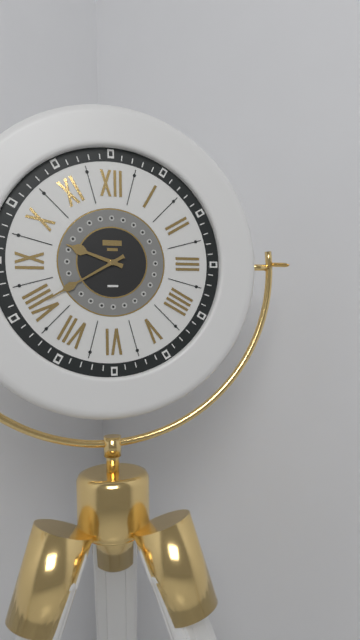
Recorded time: **9:40**
